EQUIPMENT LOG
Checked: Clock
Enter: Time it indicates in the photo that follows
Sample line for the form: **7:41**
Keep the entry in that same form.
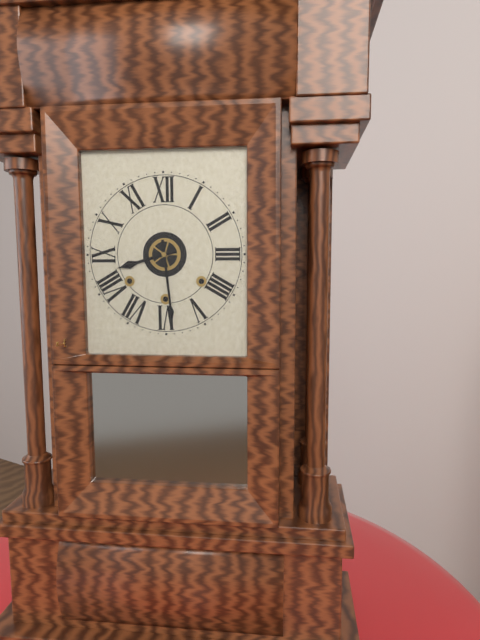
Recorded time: **8:29**
